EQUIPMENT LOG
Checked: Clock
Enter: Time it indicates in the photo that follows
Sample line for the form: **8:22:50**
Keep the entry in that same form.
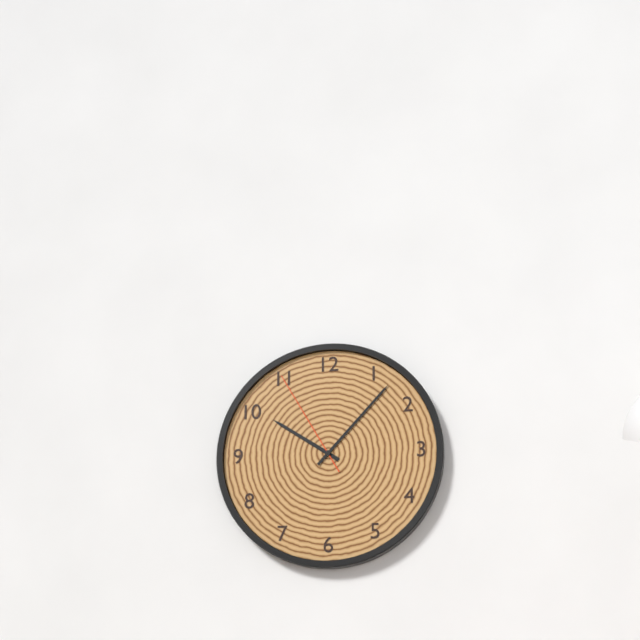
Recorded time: **10:07:55**
